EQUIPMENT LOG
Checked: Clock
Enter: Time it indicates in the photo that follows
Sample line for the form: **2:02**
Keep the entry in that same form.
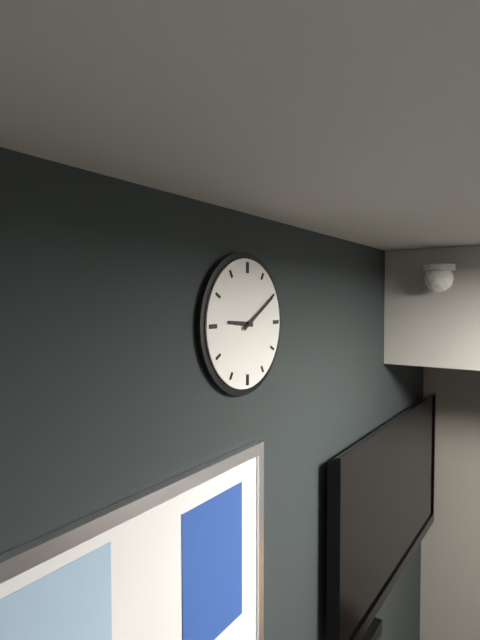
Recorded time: **9:10**
